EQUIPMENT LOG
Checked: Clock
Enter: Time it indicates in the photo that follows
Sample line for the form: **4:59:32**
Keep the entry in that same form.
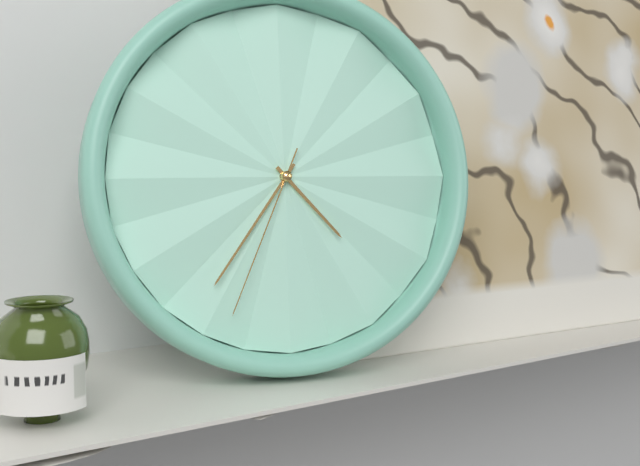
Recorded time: **4:36:34**
